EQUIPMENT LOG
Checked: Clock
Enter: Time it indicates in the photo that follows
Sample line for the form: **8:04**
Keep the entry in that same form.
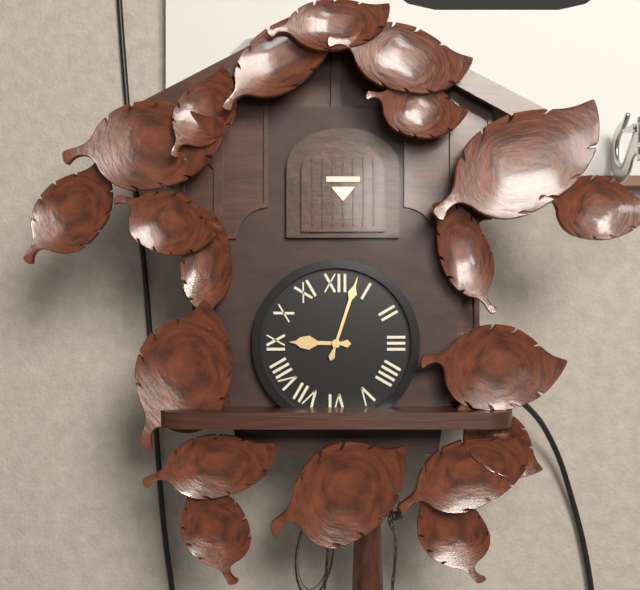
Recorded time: **9:03**
